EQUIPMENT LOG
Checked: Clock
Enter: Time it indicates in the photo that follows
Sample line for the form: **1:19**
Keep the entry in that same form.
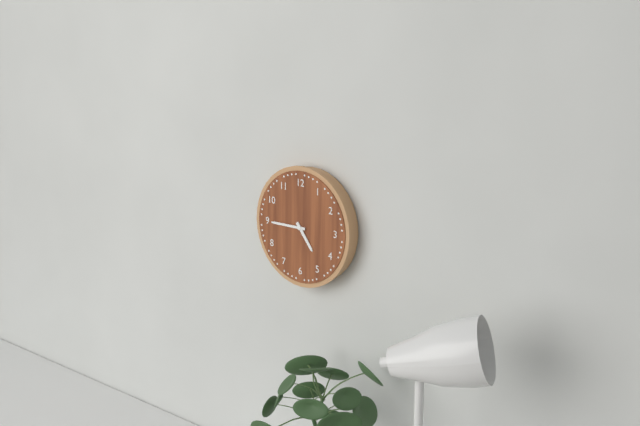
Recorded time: **4:45**
